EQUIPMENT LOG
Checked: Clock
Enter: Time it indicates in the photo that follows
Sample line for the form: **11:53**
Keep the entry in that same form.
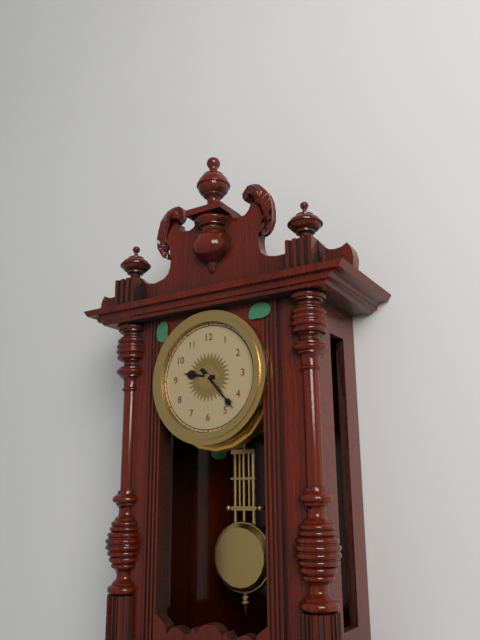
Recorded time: **9:23**
